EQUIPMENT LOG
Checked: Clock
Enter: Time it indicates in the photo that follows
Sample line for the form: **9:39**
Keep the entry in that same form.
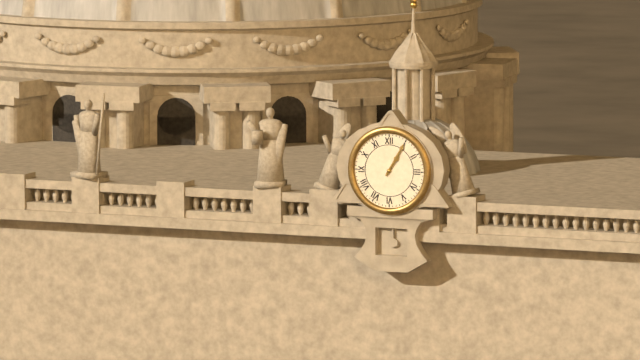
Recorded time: **1:05**
